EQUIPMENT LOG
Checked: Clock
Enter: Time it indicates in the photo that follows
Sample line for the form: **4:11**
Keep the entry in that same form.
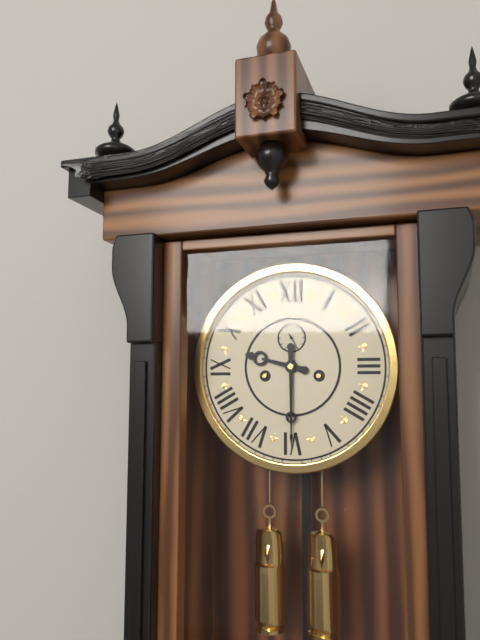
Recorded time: **9:30**
